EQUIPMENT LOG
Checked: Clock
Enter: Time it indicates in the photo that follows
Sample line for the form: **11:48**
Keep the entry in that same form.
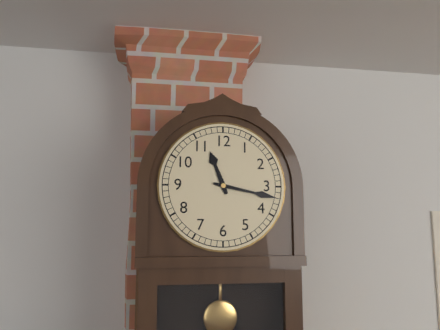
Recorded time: **11:17**
